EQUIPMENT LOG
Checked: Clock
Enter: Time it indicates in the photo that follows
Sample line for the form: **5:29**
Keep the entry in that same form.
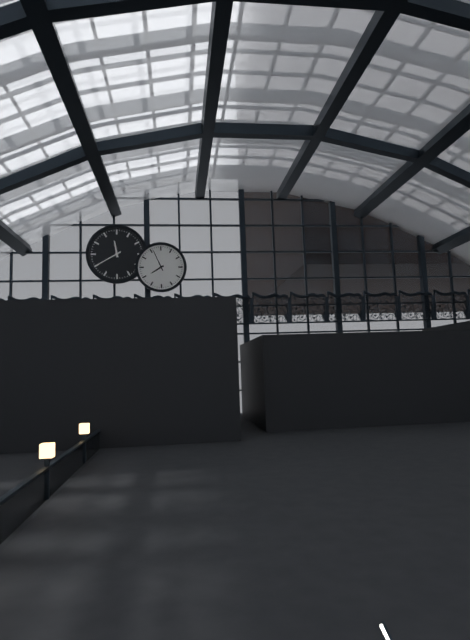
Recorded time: **7:56**
